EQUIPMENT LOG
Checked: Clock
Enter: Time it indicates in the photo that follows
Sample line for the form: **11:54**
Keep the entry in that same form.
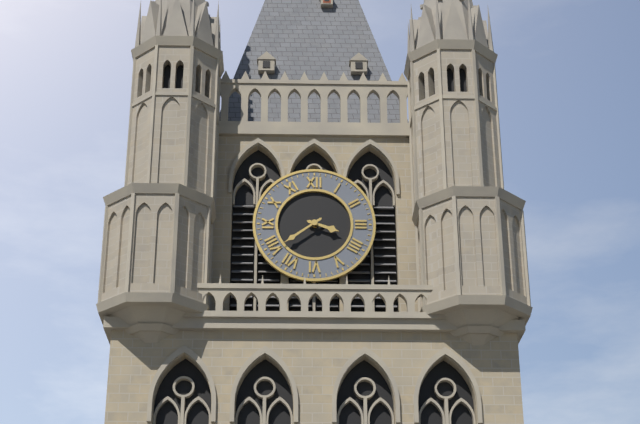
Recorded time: **3:39**
